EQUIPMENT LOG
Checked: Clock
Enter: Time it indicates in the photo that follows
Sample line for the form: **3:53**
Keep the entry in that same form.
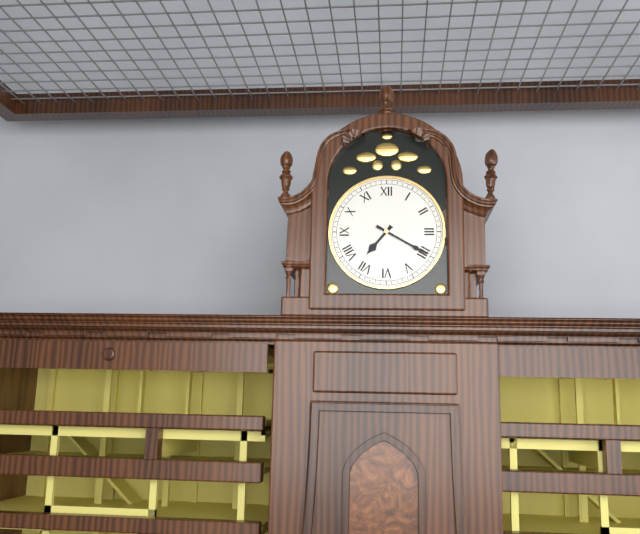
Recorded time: **7:20**
